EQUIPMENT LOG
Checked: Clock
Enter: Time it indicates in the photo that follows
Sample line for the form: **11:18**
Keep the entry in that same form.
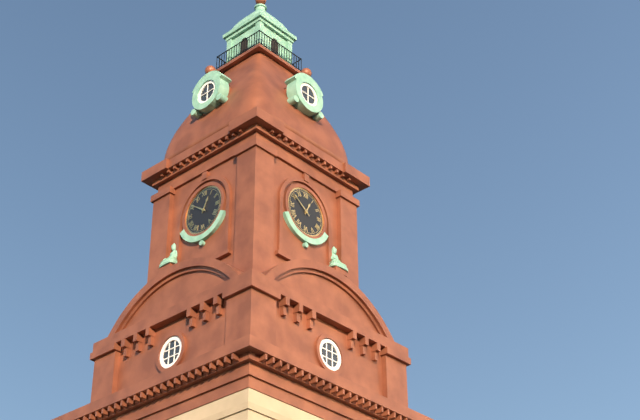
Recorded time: **12:51**
